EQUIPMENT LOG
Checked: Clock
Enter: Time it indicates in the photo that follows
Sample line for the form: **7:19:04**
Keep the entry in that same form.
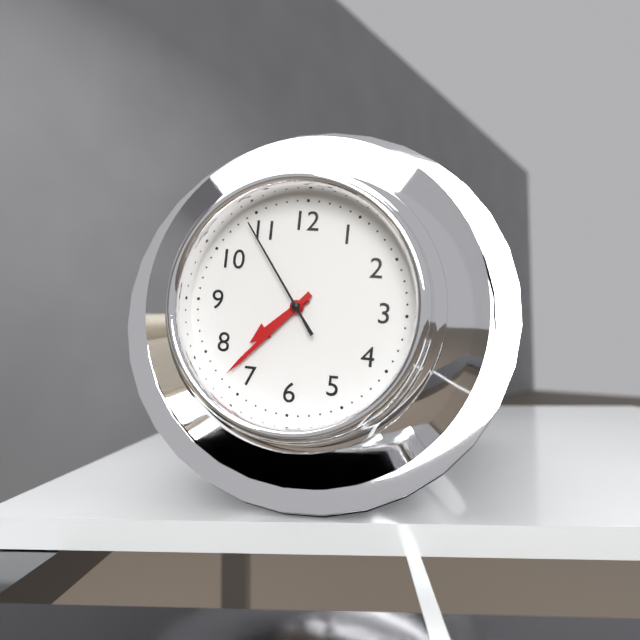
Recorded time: **7:37:54**
